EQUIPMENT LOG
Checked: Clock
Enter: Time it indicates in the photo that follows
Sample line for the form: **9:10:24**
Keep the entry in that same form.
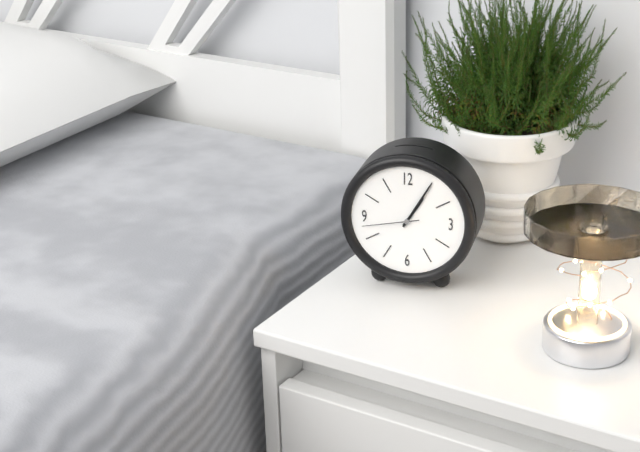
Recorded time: **1:05:43**
